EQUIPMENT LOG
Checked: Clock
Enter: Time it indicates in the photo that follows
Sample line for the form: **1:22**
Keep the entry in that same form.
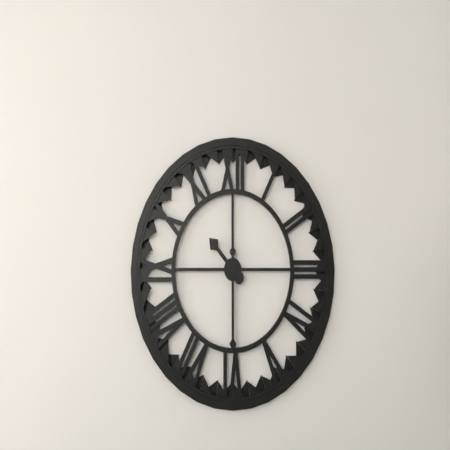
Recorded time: **10:30**
